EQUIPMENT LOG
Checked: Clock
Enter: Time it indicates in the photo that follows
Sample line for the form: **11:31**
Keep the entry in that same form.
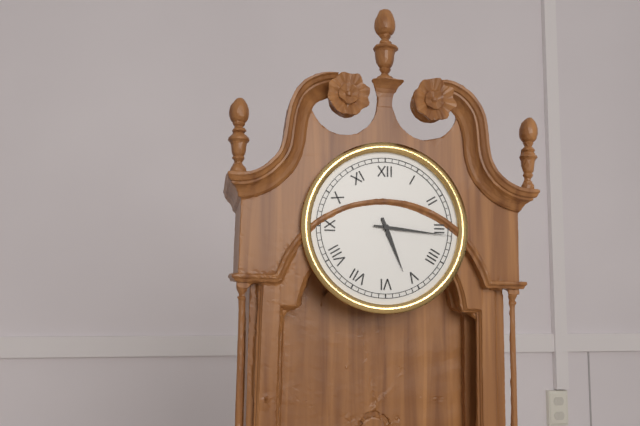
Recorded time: **5:16**
